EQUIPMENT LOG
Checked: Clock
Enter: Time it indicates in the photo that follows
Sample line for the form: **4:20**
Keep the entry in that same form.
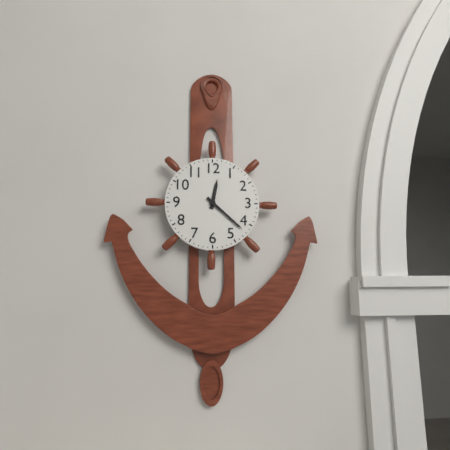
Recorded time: **12:22**
